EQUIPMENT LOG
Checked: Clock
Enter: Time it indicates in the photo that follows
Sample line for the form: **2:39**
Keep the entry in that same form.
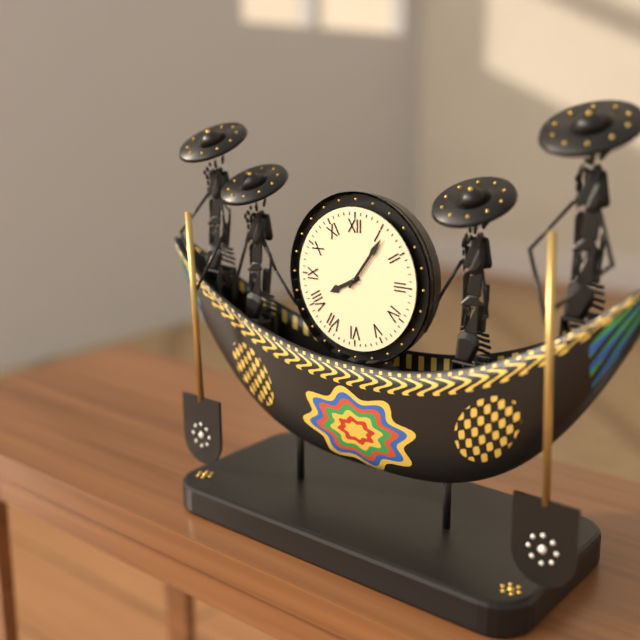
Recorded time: **8:06**
